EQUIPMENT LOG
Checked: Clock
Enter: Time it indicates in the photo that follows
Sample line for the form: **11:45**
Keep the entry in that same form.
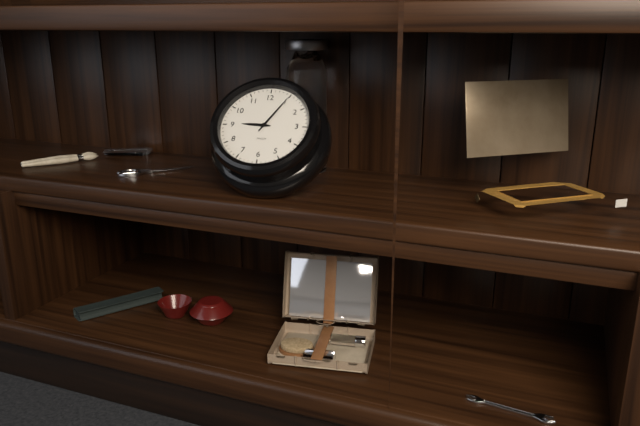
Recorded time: **9:05**
